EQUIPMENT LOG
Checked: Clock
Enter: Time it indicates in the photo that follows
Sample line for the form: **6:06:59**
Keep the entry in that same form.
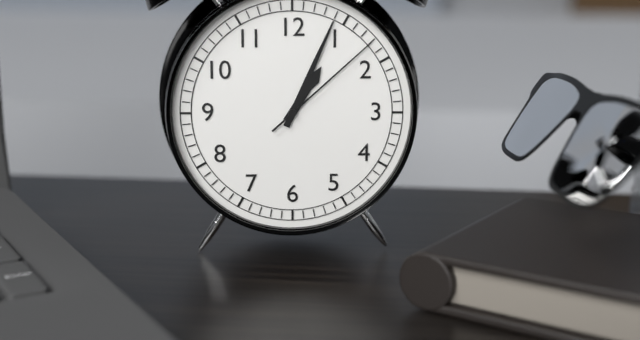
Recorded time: **1:04:08**
